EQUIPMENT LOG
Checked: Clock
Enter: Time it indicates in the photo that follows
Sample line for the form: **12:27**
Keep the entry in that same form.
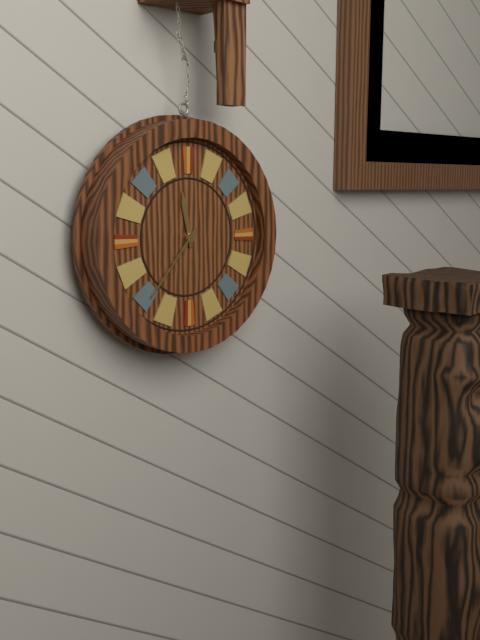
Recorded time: **11:37**
